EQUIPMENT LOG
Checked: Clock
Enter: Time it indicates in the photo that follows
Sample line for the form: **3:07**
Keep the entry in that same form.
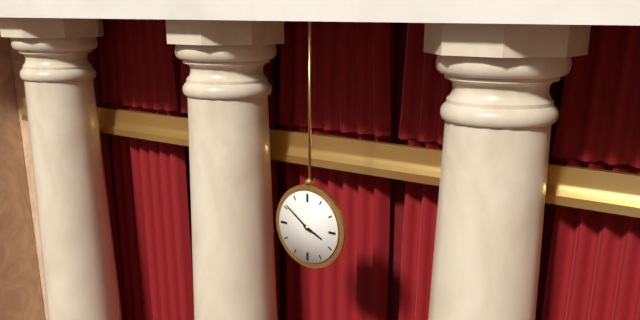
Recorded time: **3:51**
